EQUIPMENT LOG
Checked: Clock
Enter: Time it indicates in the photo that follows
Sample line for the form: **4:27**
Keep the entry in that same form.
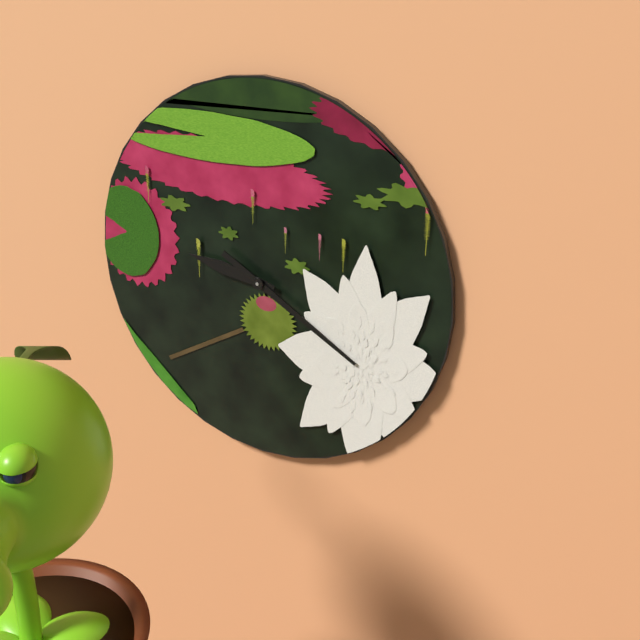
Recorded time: **9:20**
